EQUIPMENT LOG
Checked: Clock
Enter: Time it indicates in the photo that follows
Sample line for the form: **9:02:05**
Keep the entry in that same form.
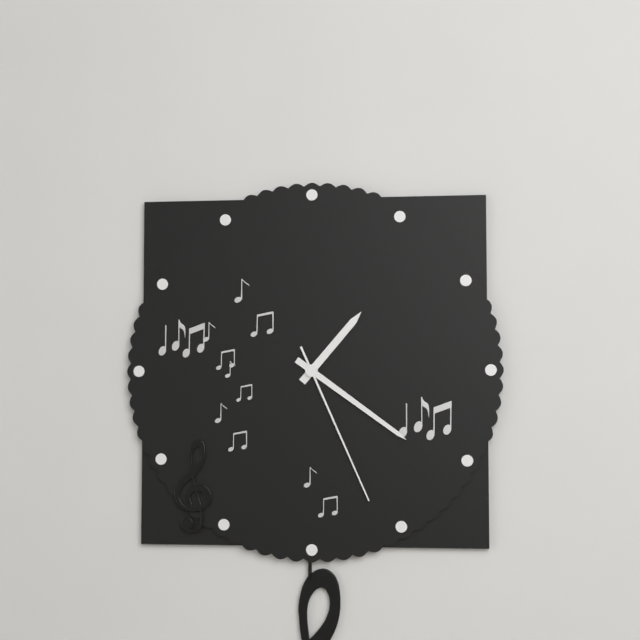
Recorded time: **1:21:26**
